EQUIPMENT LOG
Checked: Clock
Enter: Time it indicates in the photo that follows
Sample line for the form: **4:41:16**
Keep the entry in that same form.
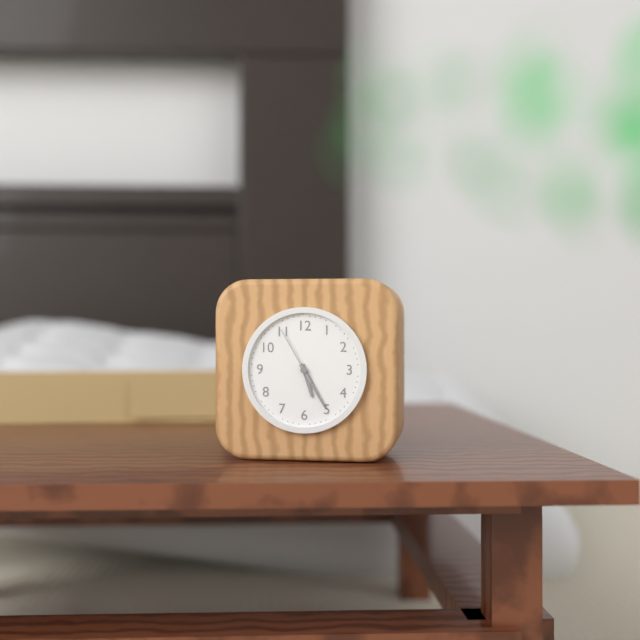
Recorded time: **5:25:55**
